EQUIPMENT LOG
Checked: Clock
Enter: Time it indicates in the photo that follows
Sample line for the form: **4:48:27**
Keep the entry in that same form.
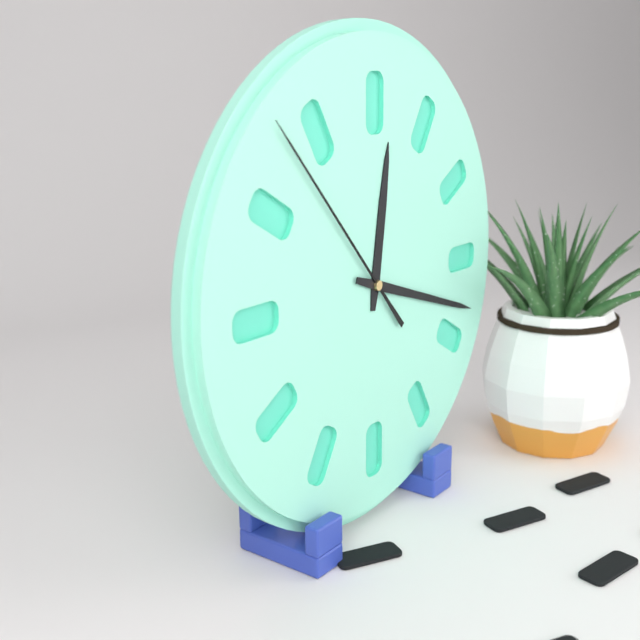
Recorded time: **12:18:53**
